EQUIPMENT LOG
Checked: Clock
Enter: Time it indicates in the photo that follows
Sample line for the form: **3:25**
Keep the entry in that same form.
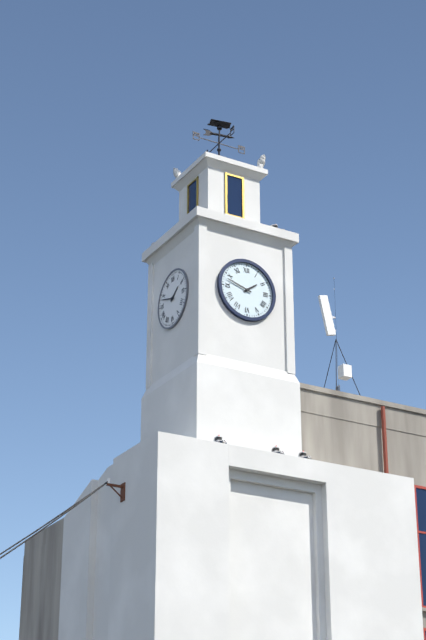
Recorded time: **1:48**
